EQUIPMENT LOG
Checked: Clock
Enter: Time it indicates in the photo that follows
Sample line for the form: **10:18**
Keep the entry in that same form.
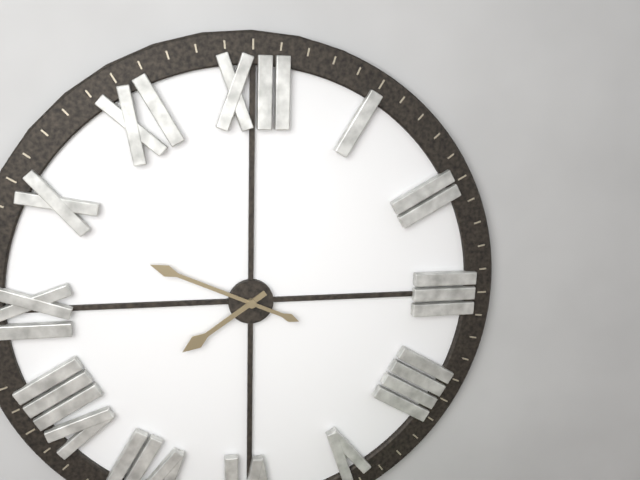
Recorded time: **7:49**
